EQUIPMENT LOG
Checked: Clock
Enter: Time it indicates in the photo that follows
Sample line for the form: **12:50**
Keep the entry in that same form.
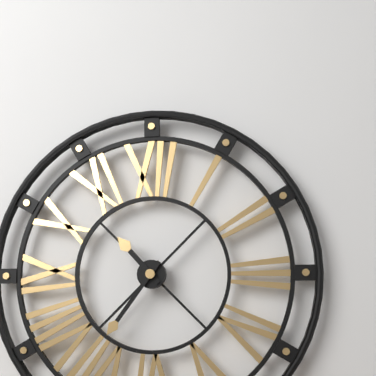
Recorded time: **10:36**
